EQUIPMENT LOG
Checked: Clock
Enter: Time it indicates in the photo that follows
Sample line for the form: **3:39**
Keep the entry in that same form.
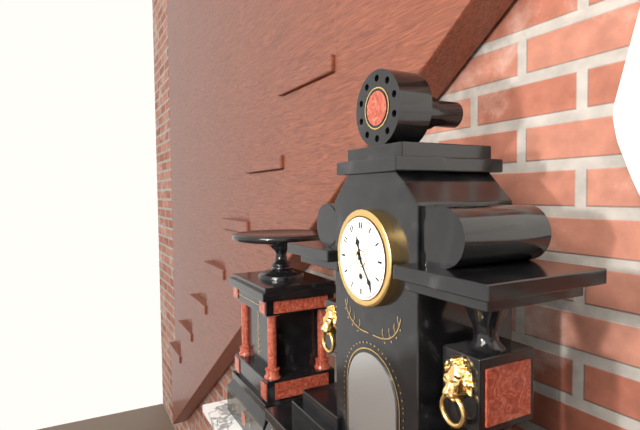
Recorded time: **11:24**
